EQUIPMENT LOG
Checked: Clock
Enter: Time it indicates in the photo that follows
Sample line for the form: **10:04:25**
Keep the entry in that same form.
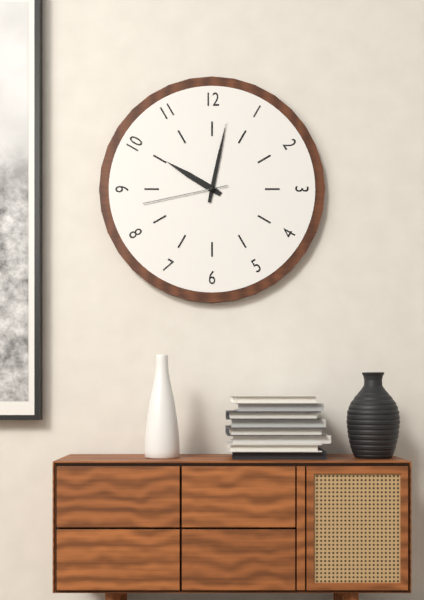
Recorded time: **10:02:43**
